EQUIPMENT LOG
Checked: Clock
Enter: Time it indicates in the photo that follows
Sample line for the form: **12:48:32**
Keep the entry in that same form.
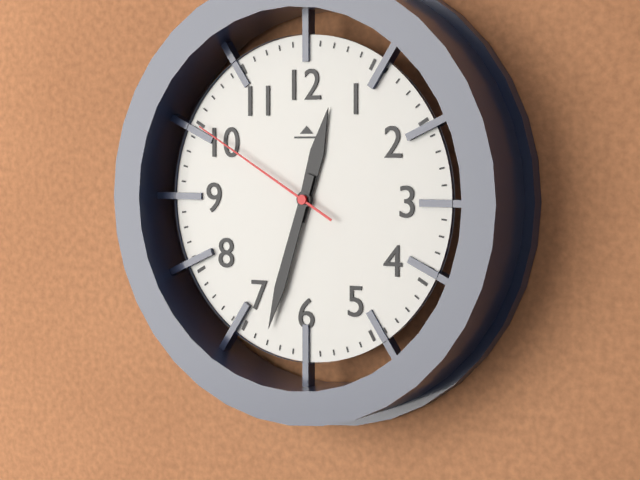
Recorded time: **12:33:50**
